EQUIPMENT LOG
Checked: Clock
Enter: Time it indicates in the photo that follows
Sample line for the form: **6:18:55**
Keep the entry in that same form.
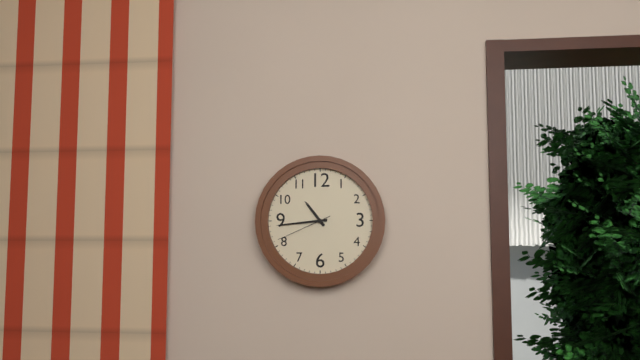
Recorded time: **10:44:41**
